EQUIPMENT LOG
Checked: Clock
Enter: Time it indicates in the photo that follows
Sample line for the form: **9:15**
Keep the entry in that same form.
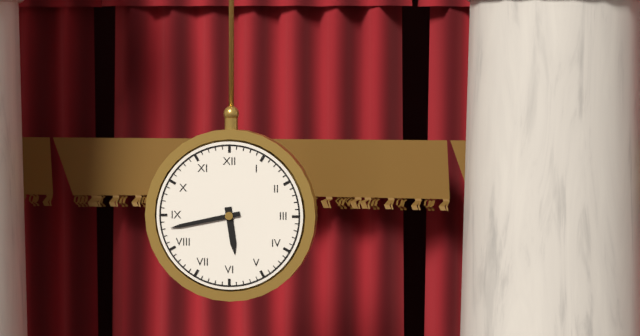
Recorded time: **5:43**
